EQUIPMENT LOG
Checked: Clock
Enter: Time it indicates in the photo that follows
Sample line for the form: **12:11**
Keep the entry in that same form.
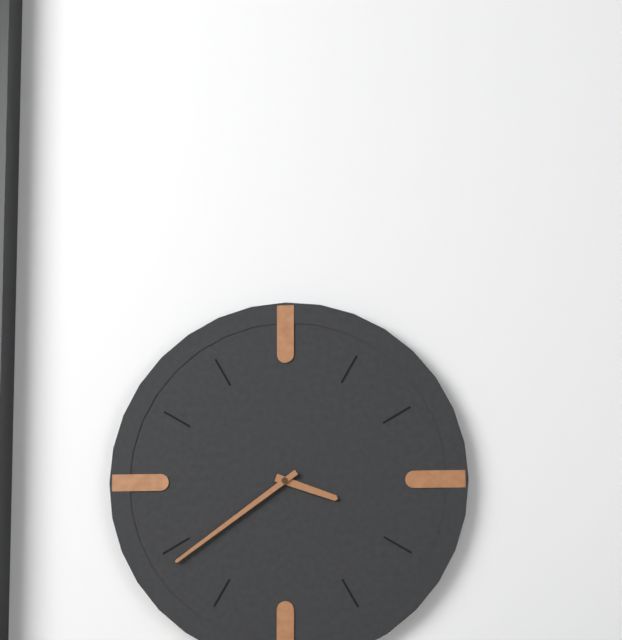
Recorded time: **3:39**
